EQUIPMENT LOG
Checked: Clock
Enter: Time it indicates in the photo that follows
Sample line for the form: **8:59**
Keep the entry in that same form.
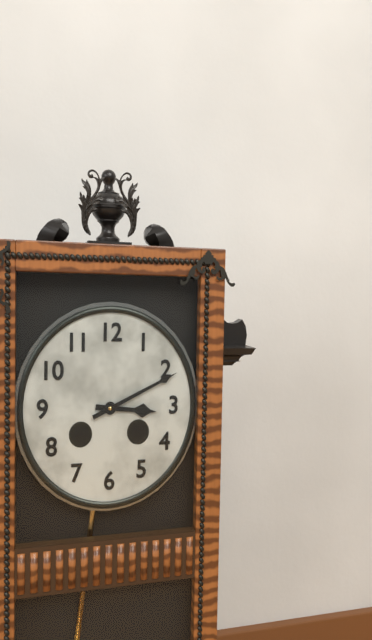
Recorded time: **3:11**
